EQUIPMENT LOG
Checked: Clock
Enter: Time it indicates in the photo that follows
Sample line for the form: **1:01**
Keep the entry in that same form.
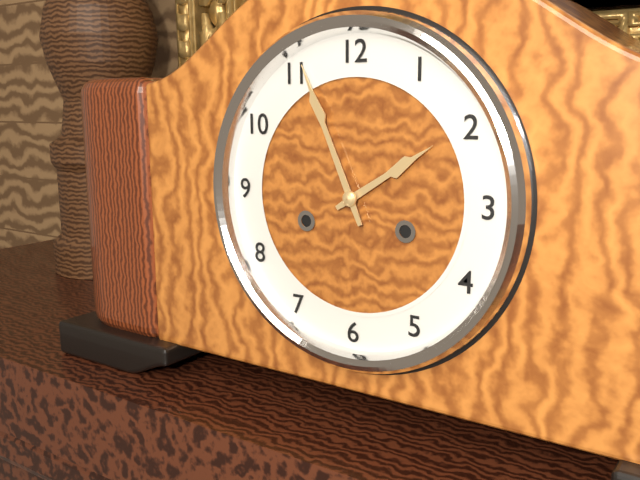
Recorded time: **1:56**
